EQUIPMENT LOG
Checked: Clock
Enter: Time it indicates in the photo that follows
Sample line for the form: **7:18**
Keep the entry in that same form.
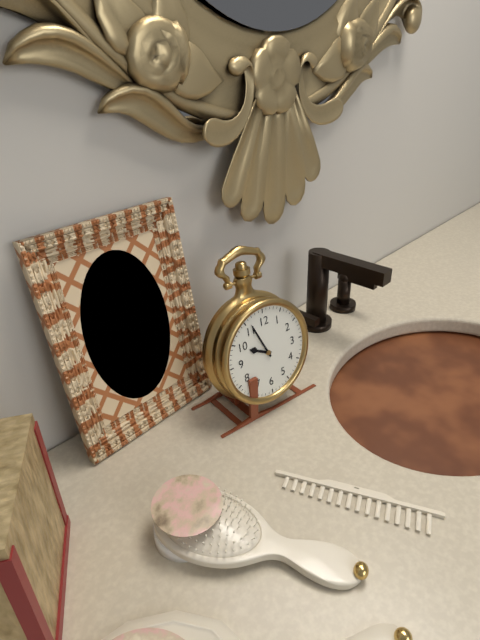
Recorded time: **9:56**
